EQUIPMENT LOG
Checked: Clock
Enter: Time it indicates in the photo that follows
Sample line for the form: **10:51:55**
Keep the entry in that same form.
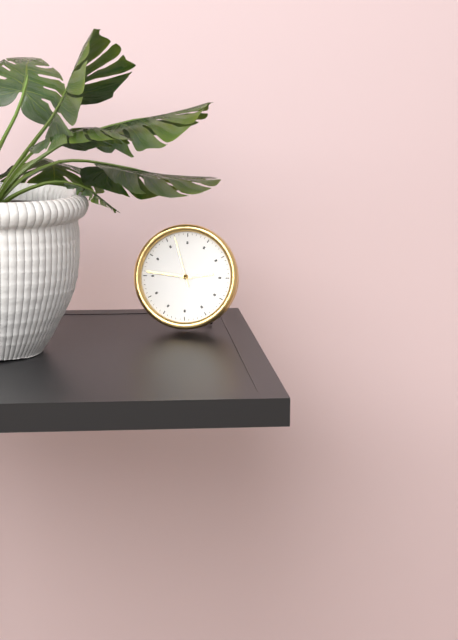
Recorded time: **2:46:57**
